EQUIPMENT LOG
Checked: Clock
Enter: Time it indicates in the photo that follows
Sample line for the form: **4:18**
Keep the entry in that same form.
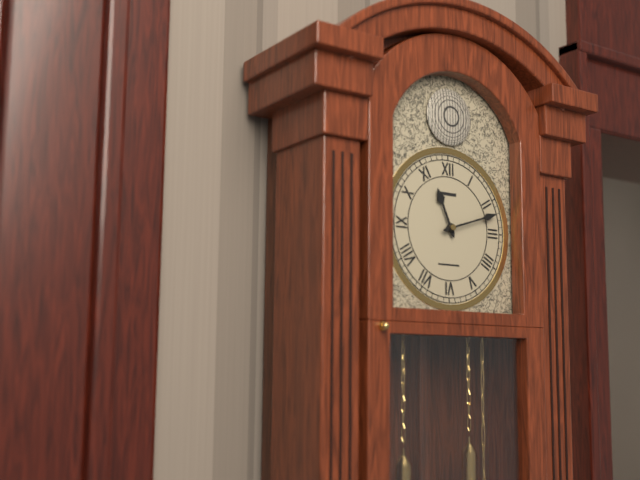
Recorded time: **11:12**
